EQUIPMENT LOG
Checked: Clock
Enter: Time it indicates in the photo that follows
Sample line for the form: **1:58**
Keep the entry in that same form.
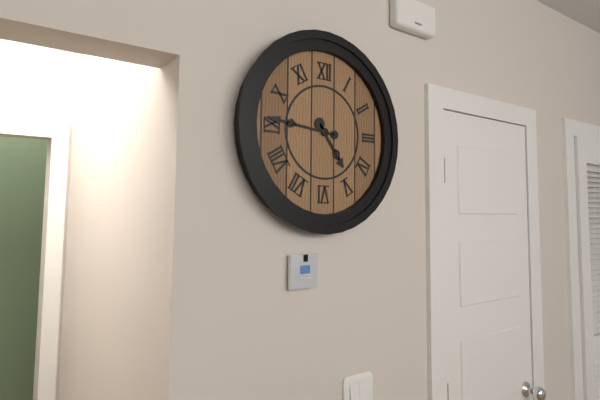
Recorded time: **4:46**
